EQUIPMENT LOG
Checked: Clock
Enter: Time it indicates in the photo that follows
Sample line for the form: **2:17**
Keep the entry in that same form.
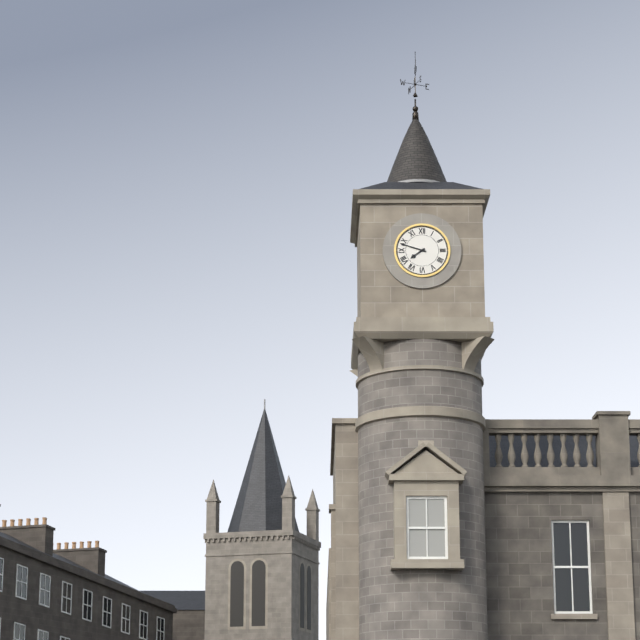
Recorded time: **7:48**
